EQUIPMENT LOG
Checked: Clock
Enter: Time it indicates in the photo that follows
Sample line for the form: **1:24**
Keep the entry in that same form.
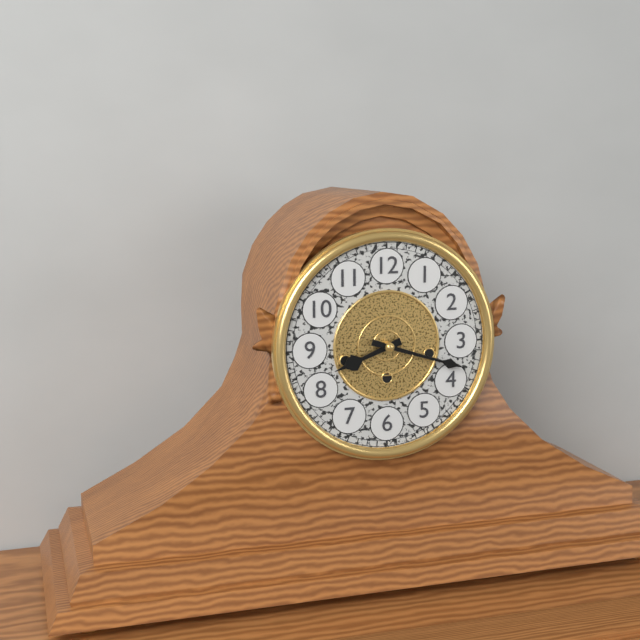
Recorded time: **8:18**
